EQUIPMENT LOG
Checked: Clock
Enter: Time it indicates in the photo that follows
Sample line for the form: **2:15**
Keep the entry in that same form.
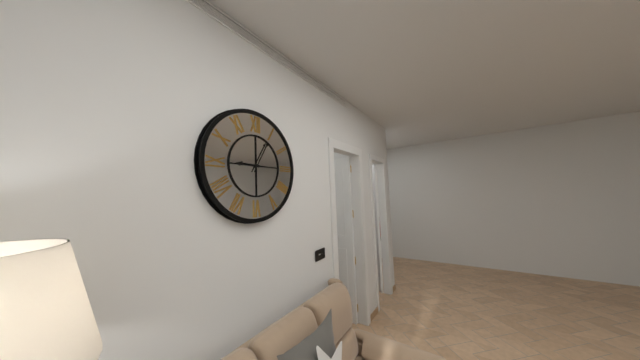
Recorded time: **9:05**
